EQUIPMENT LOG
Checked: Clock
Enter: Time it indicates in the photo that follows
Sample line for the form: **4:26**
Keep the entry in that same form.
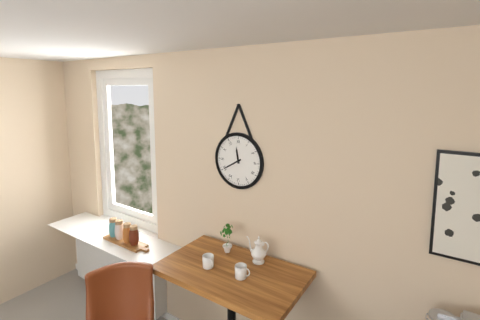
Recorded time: **11:40**
